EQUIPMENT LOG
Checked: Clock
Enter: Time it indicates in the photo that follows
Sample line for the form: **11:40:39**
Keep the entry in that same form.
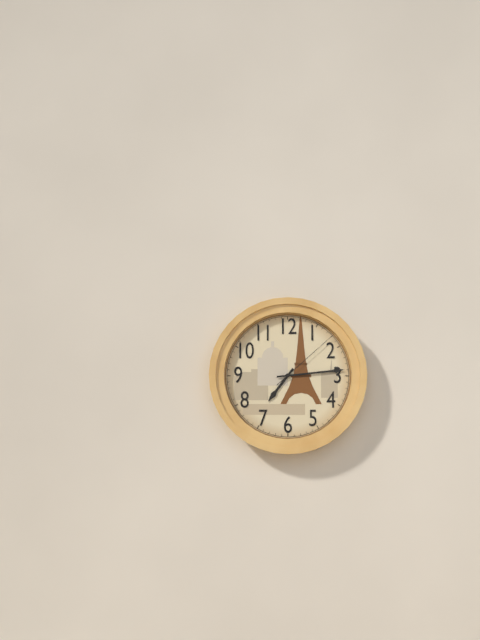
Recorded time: **7:14:08**
